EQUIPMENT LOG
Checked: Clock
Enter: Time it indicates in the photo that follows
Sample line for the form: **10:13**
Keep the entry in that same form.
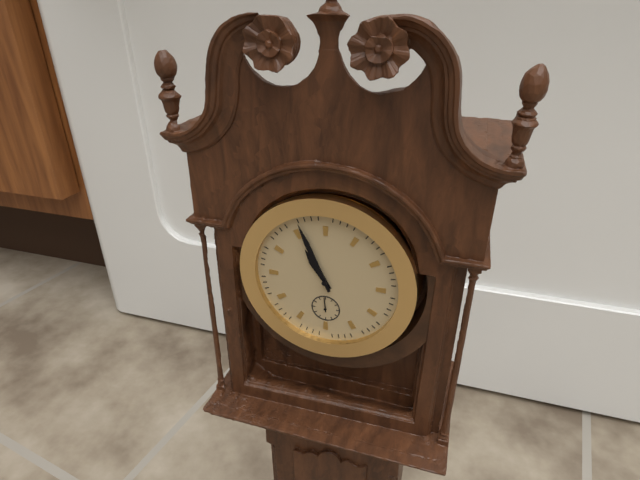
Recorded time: **10:56**
